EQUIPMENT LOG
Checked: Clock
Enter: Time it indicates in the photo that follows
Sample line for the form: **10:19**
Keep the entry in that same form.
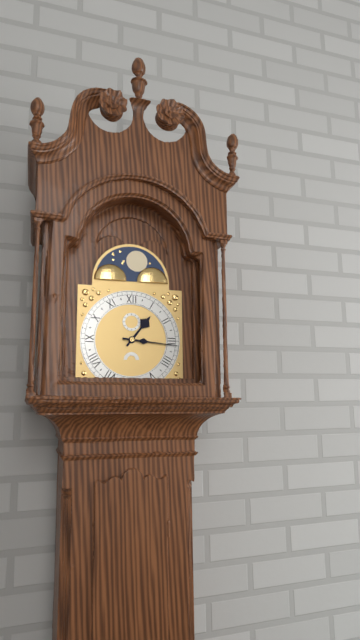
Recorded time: **1:16**
